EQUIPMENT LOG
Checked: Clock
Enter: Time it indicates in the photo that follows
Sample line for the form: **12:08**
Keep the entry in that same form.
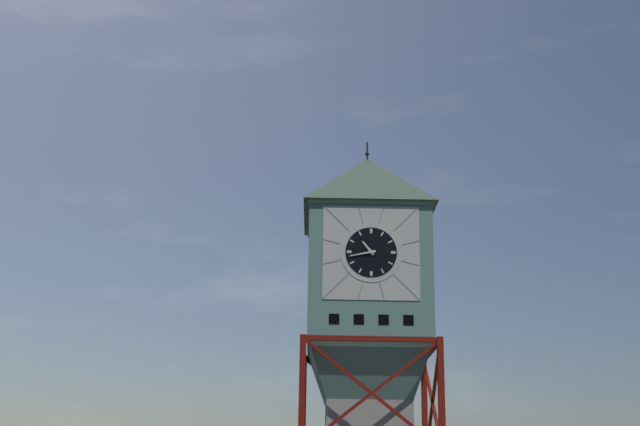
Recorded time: **10:43**
